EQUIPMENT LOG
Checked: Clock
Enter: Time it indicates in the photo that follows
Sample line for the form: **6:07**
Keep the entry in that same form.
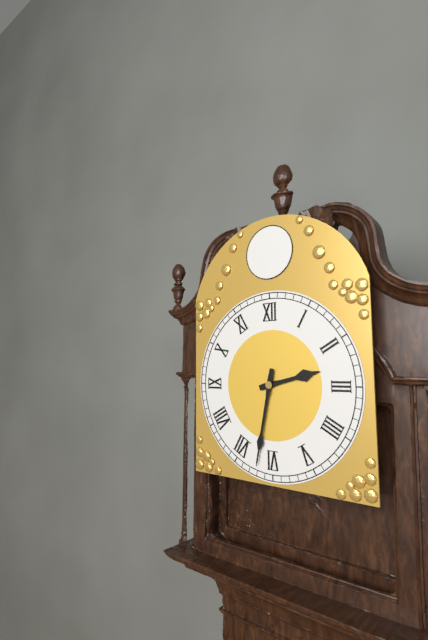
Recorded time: **2:32**
